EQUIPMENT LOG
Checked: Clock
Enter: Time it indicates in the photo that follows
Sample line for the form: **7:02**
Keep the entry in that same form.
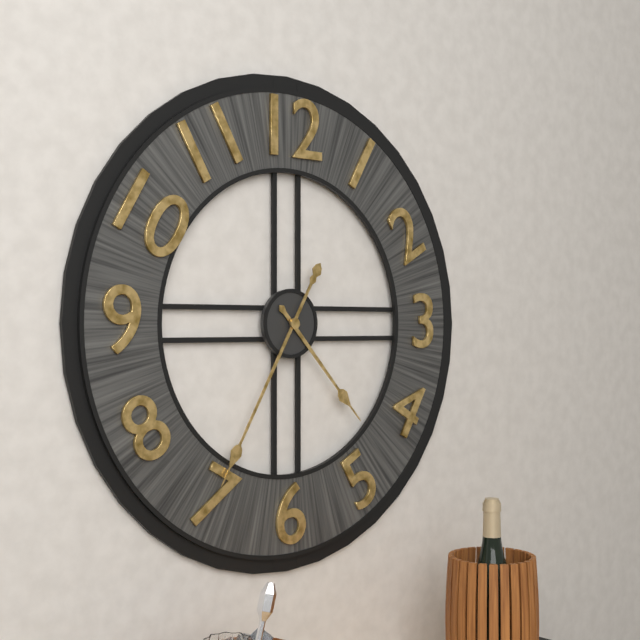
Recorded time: **4:35**
